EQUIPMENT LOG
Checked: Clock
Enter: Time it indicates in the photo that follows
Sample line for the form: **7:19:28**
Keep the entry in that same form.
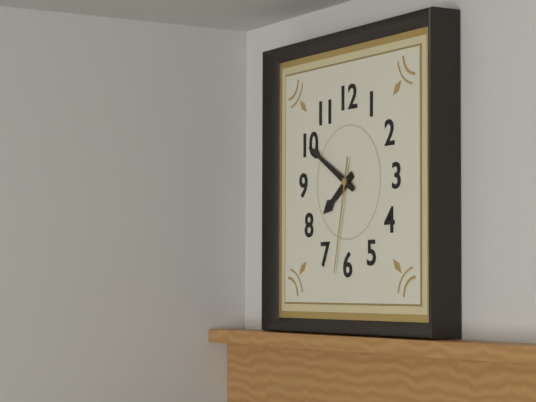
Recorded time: **7:50:32**
